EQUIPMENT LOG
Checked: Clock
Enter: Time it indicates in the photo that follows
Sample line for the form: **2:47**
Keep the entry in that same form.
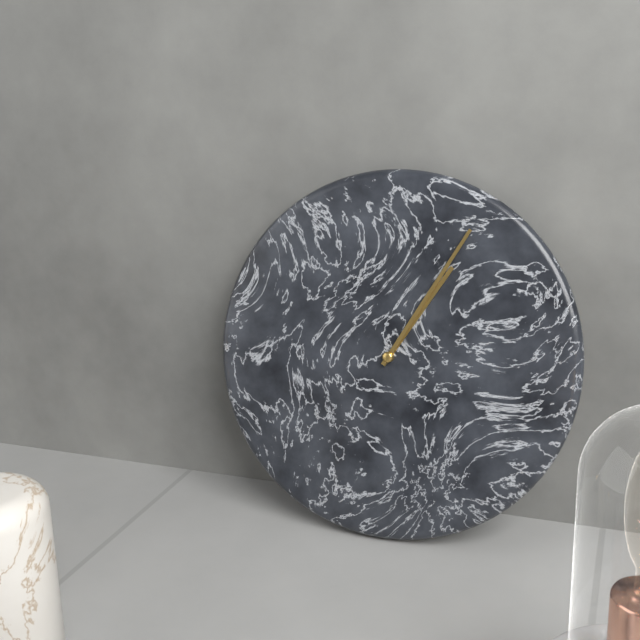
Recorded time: **1:05**
